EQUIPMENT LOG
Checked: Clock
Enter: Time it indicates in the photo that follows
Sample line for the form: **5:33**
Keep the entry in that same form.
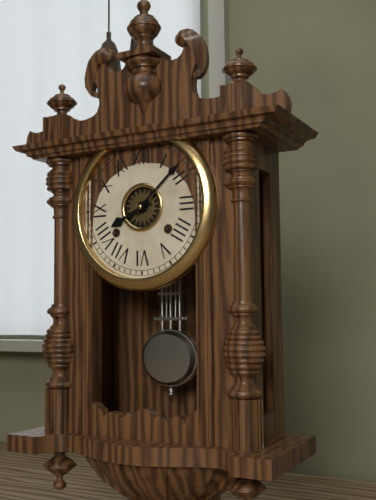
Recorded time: **8:08**
